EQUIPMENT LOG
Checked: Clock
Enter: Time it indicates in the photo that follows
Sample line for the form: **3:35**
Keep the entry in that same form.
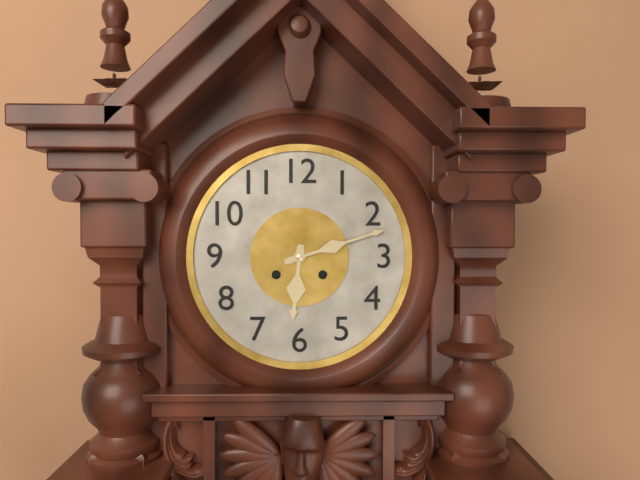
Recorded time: **6:12**
